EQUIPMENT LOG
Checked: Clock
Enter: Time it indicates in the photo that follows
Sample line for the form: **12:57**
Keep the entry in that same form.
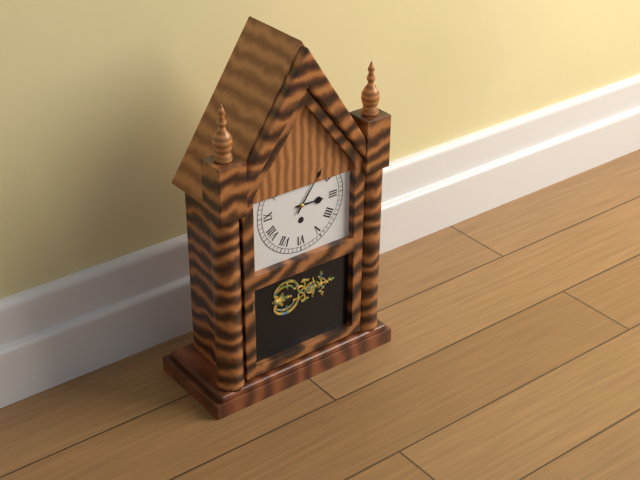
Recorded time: **3:06**
